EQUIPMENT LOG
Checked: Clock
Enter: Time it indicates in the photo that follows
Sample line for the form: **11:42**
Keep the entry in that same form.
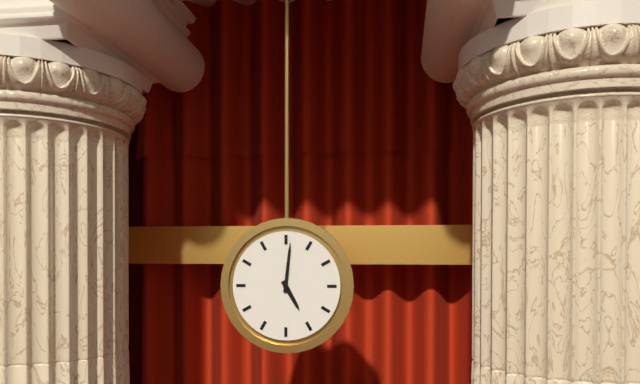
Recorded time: **5:01**
